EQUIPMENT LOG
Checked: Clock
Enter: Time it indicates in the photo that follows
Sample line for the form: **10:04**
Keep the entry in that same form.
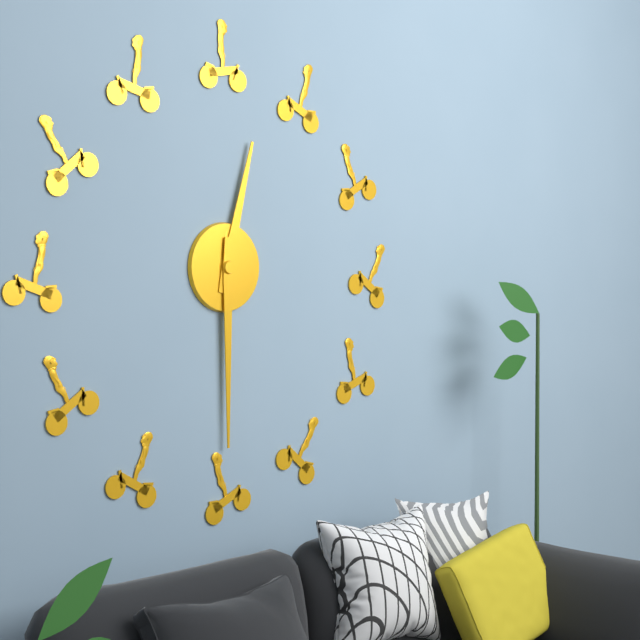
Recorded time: **12:30**
